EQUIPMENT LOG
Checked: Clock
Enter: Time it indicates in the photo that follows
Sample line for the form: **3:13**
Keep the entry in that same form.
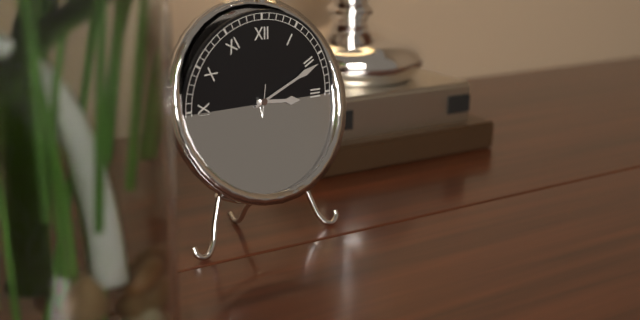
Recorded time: **3:11**
